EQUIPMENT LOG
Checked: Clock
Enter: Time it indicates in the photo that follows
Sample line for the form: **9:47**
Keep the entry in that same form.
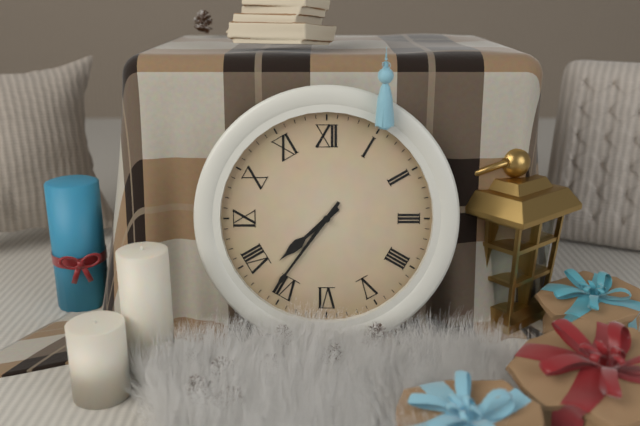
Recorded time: **7:36**
